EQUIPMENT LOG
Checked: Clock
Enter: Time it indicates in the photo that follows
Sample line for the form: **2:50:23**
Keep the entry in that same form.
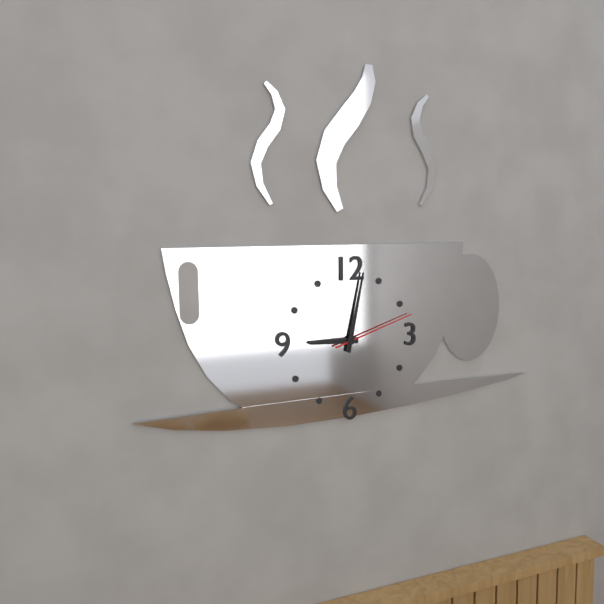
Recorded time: **9:02:12**
